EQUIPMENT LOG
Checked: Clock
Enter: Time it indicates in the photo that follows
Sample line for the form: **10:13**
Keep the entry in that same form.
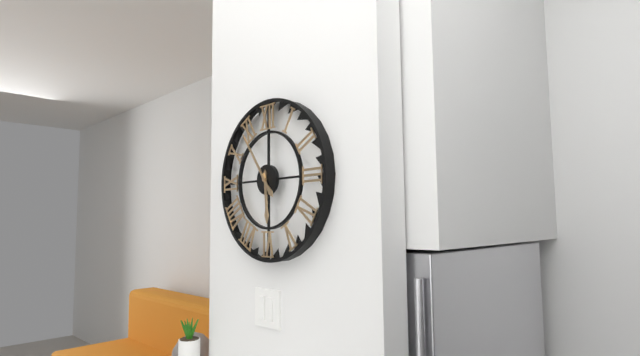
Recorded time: **5:54**
